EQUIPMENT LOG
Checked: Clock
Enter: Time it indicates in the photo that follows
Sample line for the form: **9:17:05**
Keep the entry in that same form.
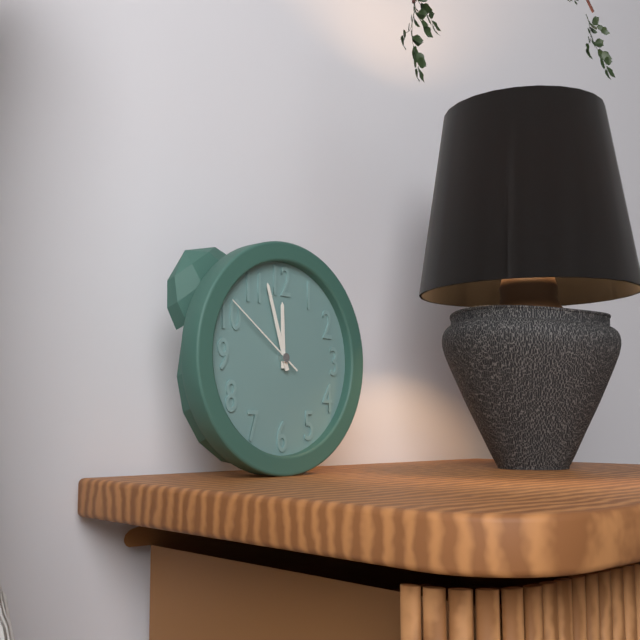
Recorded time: **11:57:51**
